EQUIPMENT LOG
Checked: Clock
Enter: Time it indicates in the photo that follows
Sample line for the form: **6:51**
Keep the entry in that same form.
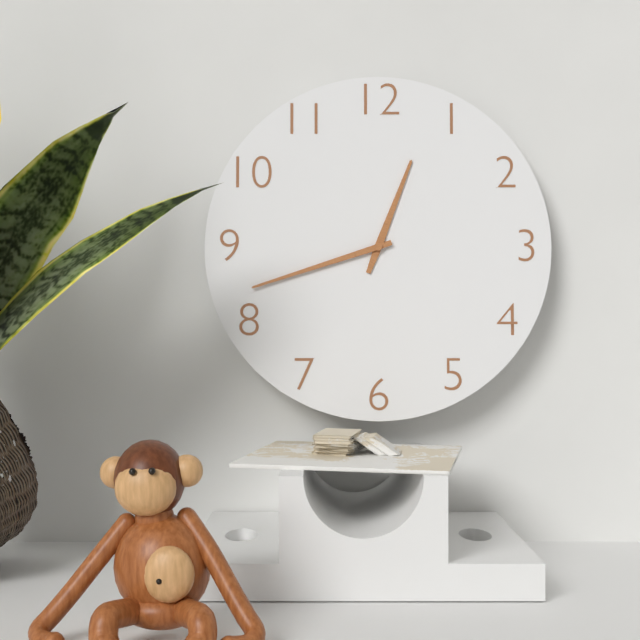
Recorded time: **12:42**
